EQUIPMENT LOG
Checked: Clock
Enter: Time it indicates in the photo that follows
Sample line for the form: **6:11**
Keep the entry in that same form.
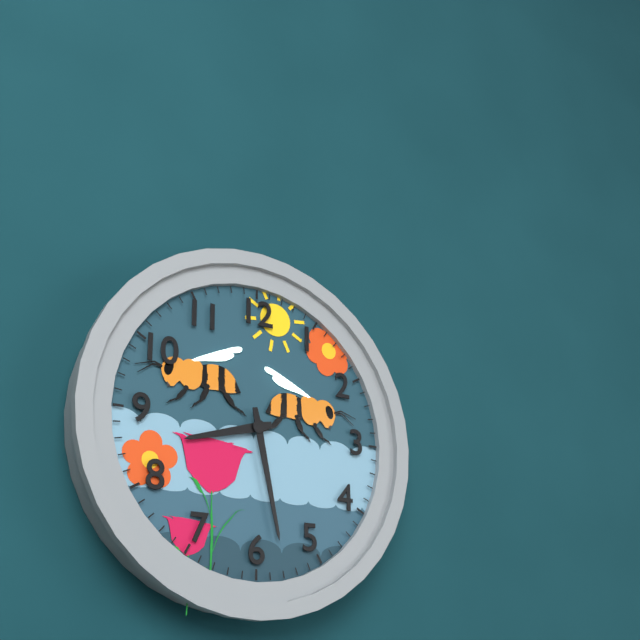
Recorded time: **8:28**
